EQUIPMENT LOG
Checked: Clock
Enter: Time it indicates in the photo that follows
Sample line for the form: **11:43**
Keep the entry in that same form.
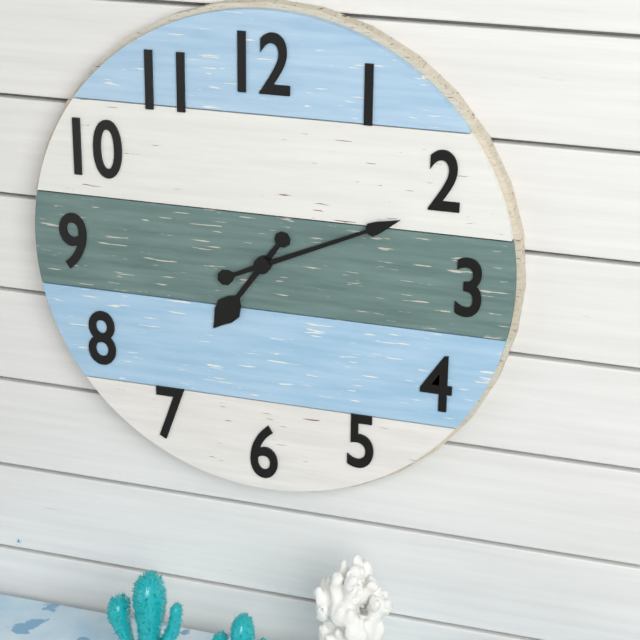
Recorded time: **7:11**
